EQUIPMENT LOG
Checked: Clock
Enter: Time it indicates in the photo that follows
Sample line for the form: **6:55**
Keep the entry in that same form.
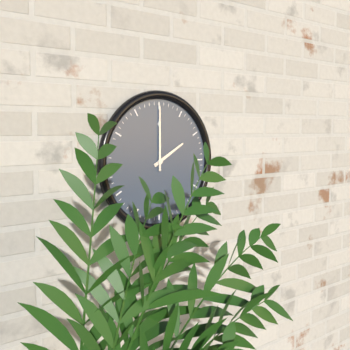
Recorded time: **2:00**
